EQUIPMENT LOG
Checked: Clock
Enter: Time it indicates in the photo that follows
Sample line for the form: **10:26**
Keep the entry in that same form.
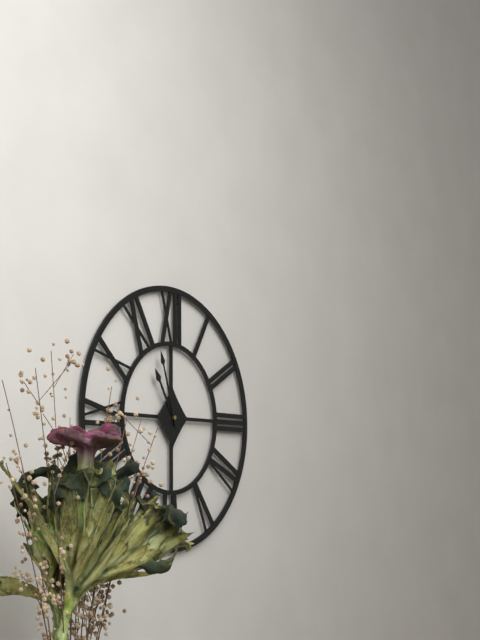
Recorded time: **10:57**
